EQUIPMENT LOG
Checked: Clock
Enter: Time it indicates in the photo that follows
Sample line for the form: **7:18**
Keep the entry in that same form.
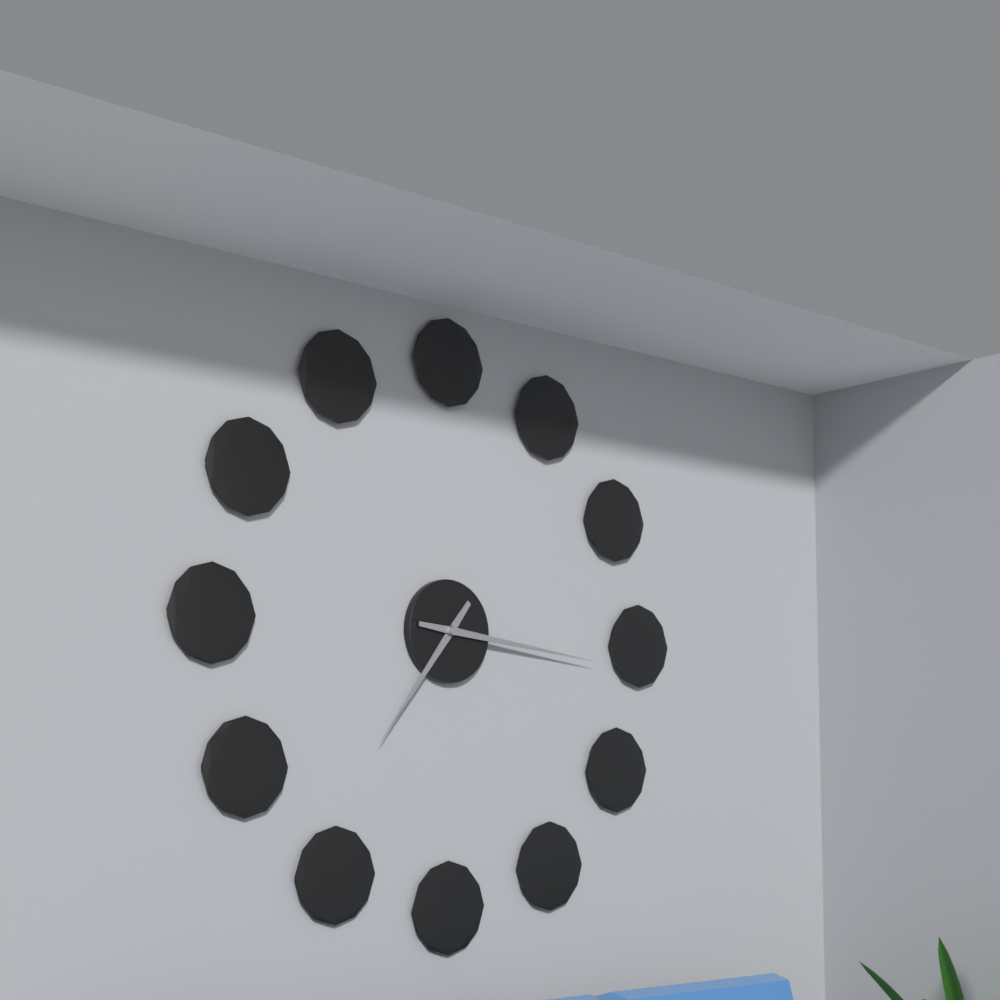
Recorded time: **7:16**
